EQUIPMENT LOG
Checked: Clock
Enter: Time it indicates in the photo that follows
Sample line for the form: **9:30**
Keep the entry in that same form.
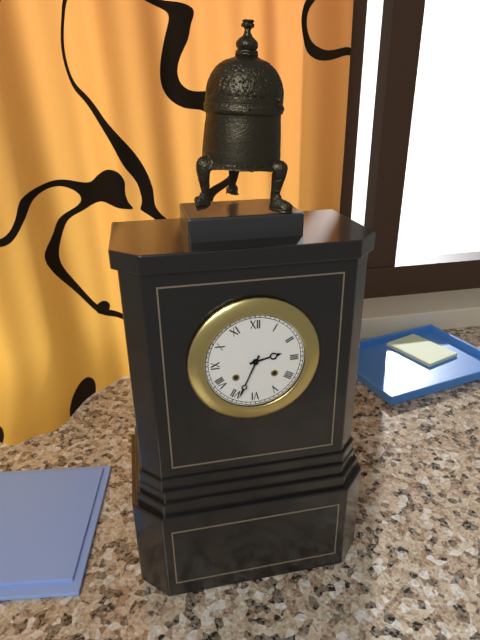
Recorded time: **2:34**
